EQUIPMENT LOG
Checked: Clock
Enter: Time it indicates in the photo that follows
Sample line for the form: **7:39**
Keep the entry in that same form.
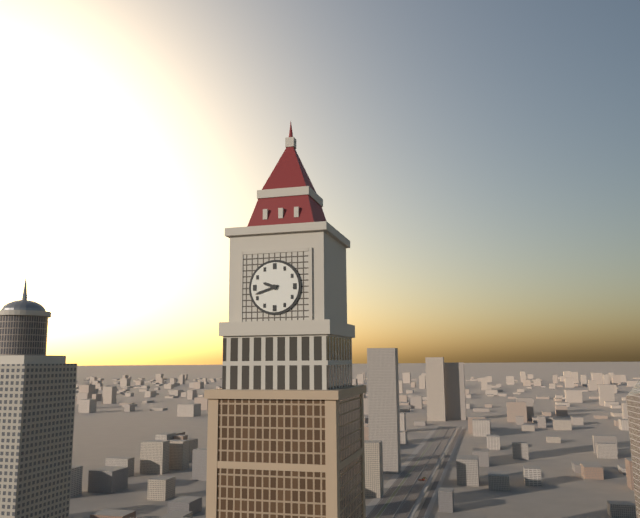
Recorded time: **9:42**
